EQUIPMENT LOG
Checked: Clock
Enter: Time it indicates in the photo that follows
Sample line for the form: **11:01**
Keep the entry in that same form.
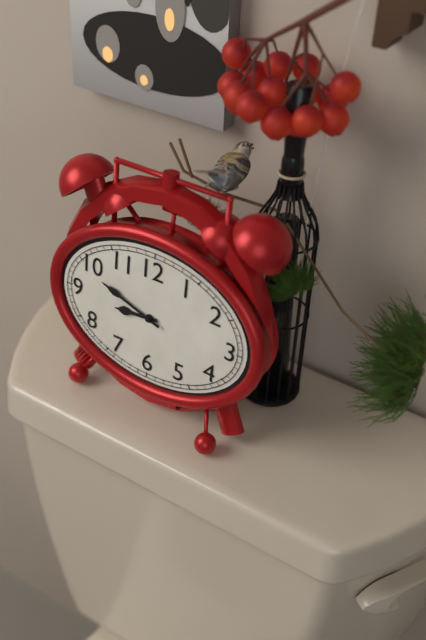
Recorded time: **8:48**
